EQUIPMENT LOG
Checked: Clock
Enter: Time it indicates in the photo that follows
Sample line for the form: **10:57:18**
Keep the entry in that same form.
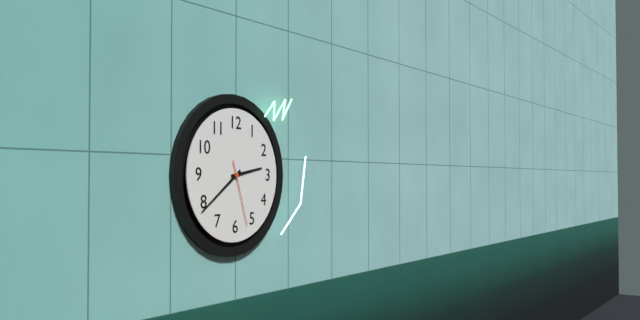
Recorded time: **2:39:27**
